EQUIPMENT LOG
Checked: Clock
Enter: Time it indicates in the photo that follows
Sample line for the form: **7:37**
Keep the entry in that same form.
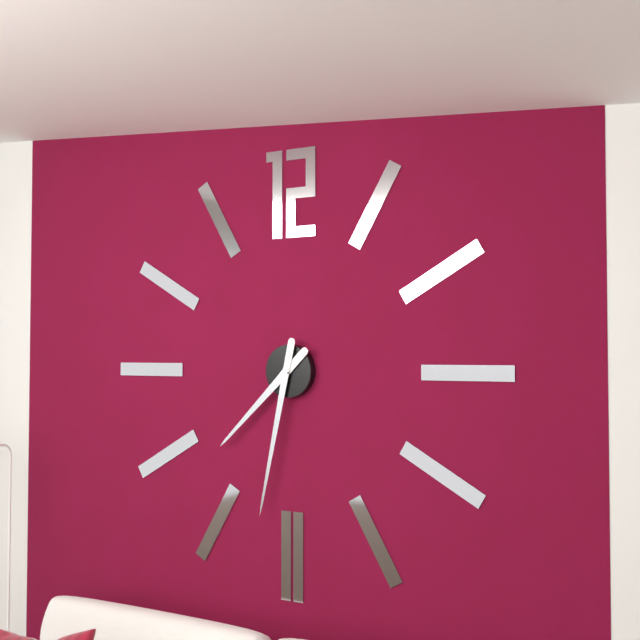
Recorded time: **7:32**
